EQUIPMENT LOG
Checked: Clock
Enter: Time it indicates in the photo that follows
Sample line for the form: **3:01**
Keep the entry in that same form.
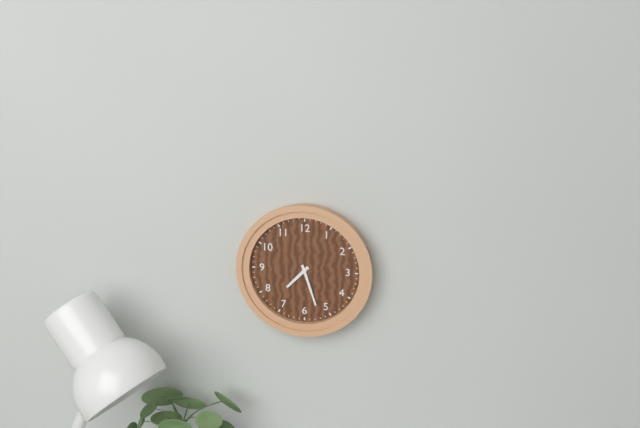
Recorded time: **7:27**
